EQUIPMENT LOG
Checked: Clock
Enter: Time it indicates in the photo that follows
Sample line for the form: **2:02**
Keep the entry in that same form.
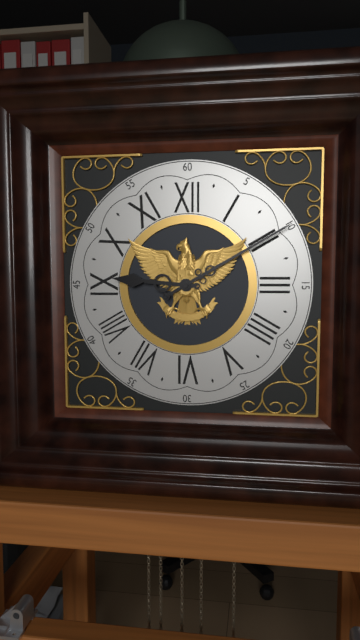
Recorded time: **9:10**
